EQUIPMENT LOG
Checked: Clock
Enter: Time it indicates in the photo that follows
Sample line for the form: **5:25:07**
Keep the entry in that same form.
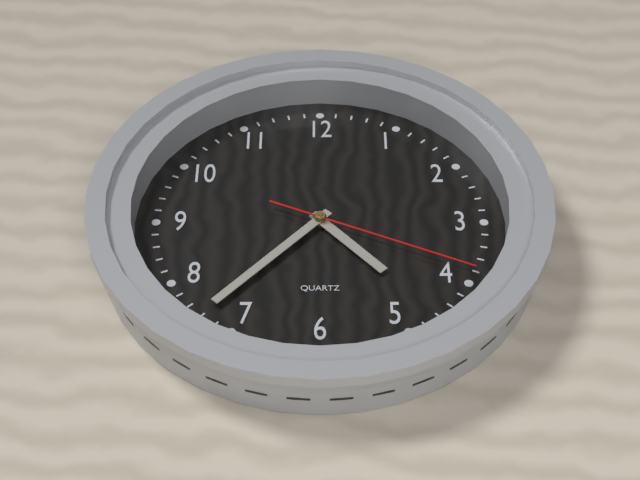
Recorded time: **4:37:19**
